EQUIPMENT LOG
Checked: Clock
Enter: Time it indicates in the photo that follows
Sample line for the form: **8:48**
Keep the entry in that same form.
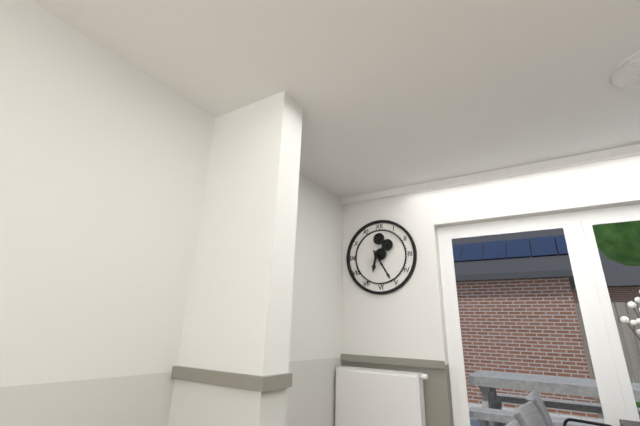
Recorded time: **6:25**
